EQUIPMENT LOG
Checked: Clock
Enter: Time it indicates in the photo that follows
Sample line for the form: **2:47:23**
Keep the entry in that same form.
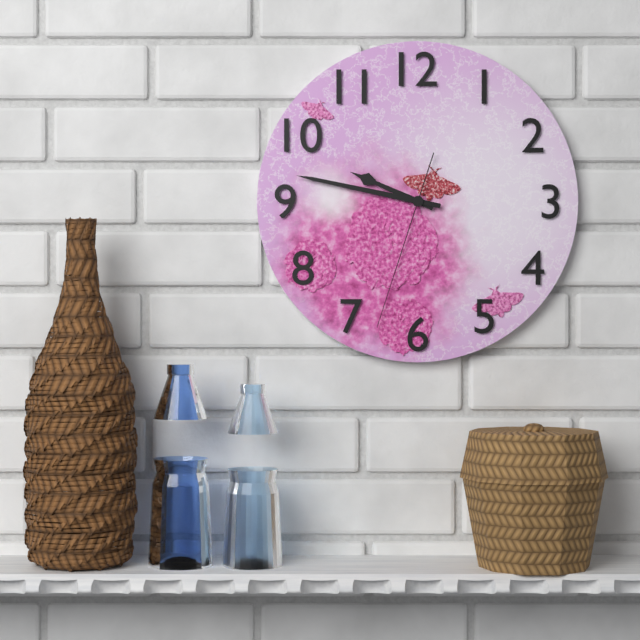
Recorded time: **9:47:33**
